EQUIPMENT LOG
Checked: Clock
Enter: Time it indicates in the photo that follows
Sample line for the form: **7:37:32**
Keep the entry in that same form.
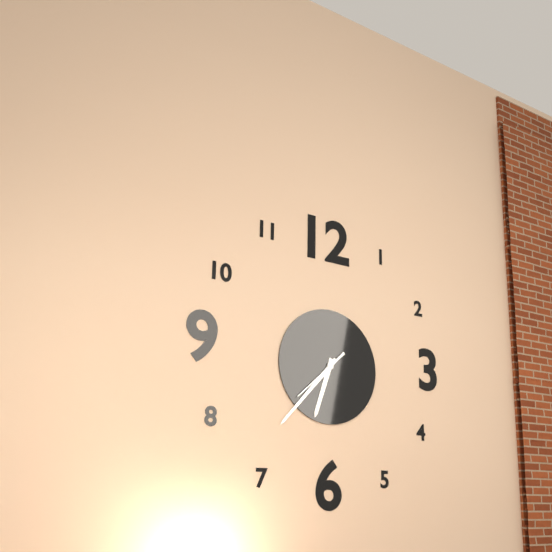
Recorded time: **6:37:38**
